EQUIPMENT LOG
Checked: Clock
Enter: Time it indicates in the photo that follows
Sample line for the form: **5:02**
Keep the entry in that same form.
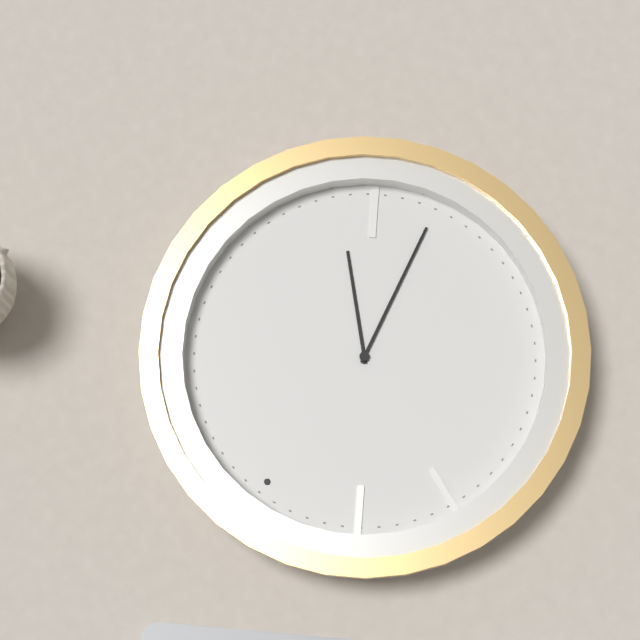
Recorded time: **4:28**
